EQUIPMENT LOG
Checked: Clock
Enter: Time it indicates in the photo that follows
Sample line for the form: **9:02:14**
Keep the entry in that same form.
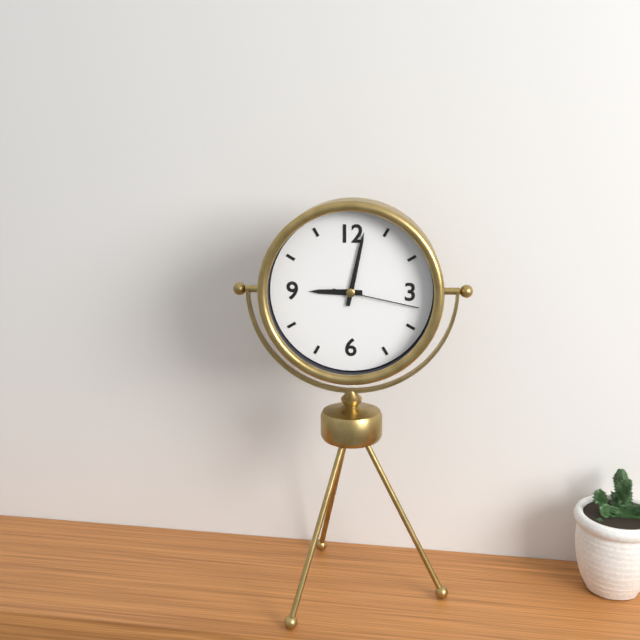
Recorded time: **9:02:17**
